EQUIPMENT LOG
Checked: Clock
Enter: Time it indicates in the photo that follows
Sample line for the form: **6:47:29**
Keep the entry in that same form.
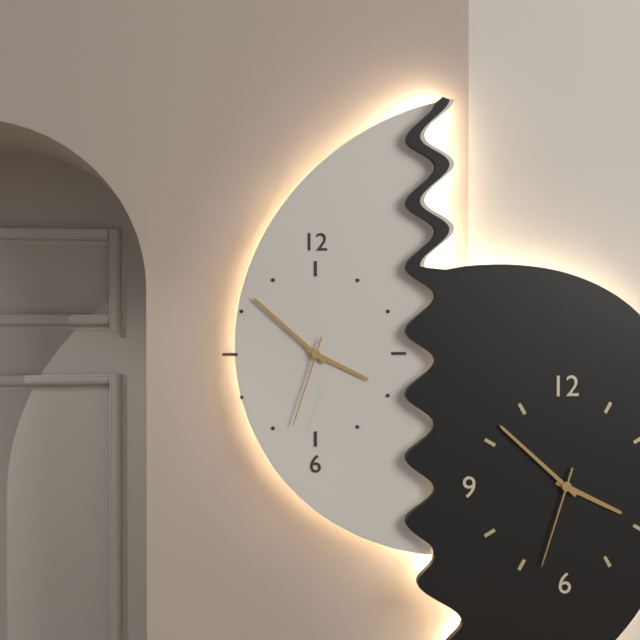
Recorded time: **3:52:33**
